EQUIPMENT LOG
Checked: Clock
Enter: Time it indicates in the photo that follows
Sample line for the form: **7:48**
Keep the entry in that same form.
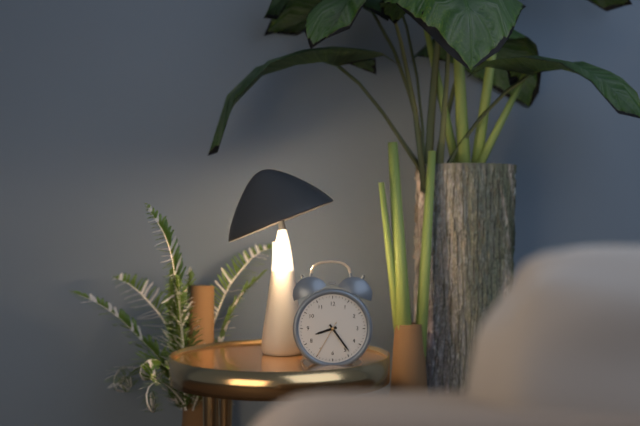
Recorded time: **8:24**
